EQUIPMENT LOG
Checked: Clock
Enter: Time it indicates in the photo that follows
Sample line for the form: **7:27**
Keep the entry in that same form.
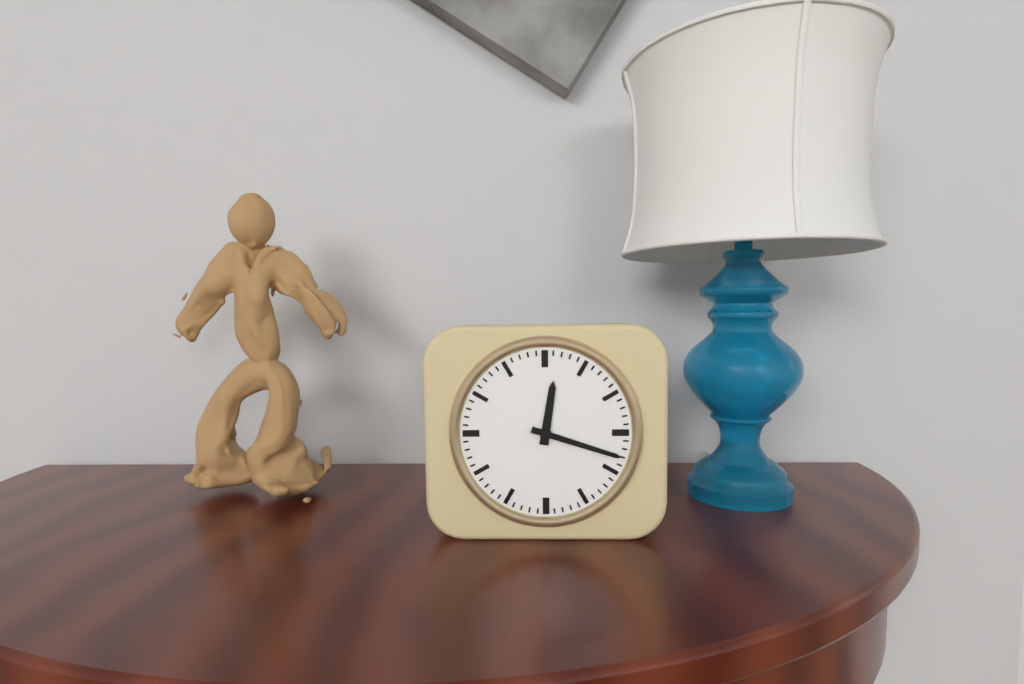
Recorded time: **12:18**
